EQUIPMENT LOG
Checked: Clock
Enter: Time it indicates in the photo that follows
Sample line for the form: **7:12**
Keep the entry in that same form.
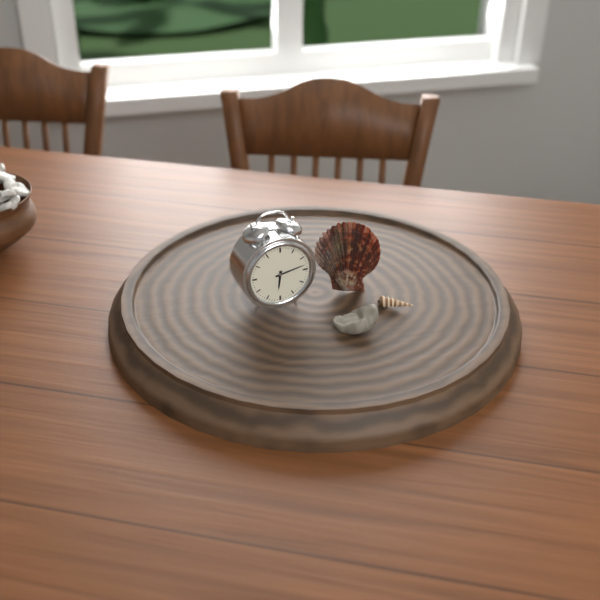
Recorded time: **6:13**
